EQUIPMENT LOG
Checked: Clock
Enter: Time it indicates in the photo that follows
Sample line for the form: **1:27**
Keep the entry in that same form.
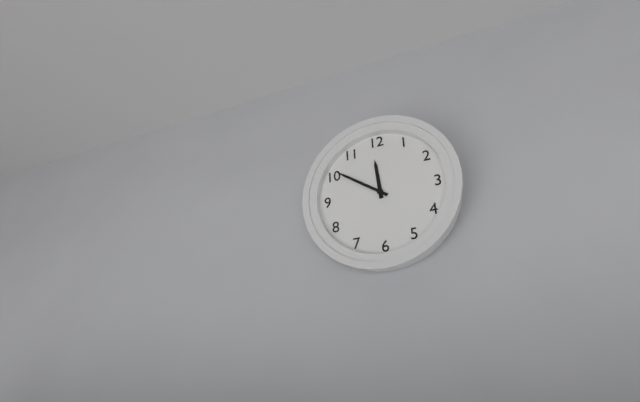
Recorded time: **11:51**
